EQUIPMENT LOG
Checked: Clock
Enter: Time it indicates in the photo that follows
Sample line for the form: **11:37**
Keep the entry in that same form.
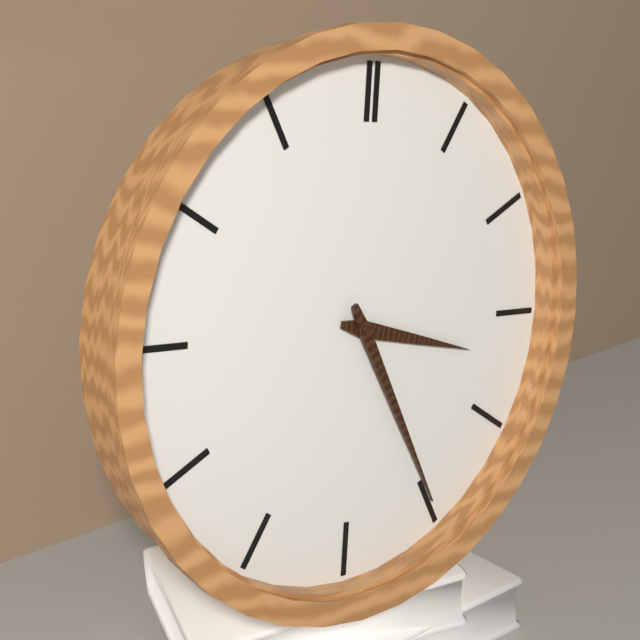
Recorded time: **3:25**
